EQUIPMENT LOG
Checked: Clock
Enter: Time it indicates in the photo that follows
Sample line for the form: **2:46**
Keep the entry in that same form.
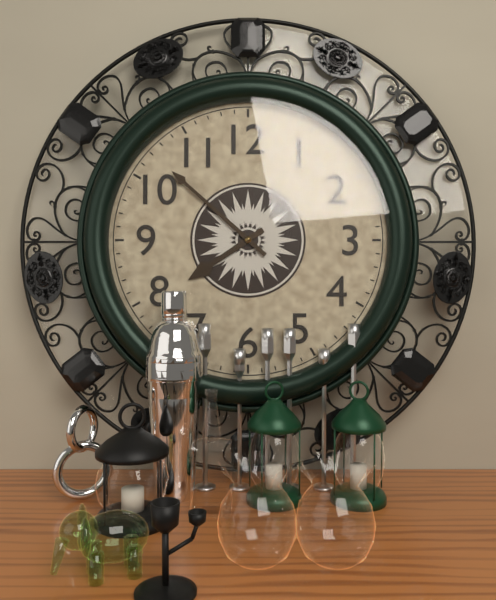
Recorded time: **7:52**
